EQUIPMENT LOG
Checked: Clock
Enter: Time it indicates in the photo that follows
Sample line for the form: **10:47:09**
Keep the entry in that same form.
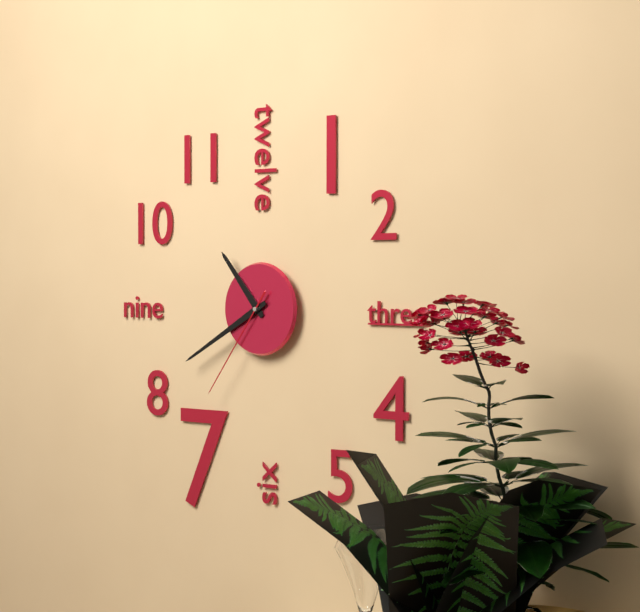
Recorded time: **10:40:36**
